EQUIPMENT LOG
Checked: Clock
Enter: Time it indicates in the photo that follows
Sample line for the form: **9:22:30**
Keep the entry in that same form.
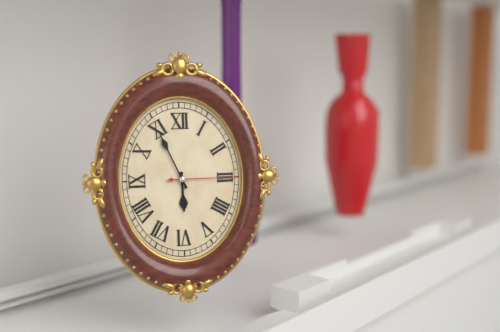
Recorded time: **5:56:15**
